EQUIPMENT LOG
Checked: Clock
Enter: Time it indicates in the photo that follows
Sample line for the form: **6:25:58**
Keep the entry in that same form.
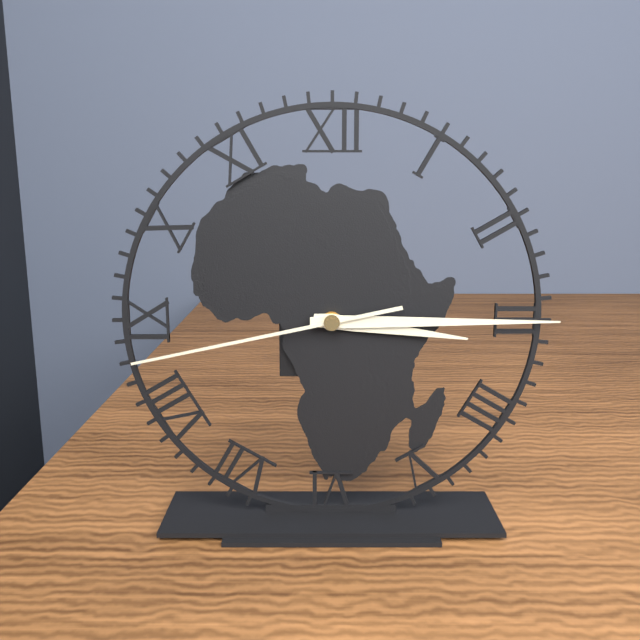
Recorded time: **3:15:43**
